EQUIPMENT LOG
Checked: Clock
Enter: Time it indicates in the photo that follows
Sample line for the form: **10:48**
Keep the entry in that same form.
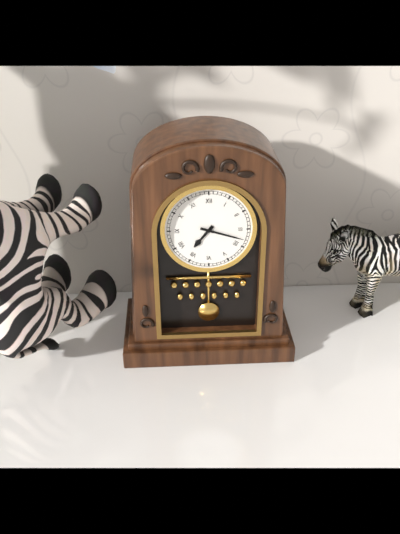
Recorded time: **7:18**
